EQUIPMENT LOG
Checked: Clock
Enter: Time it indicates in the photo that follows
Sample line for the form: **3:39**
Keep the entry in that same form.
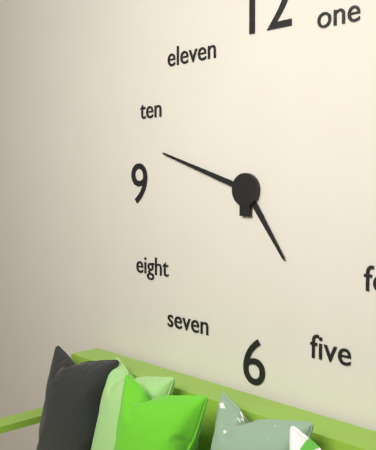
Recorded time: **4:48**
